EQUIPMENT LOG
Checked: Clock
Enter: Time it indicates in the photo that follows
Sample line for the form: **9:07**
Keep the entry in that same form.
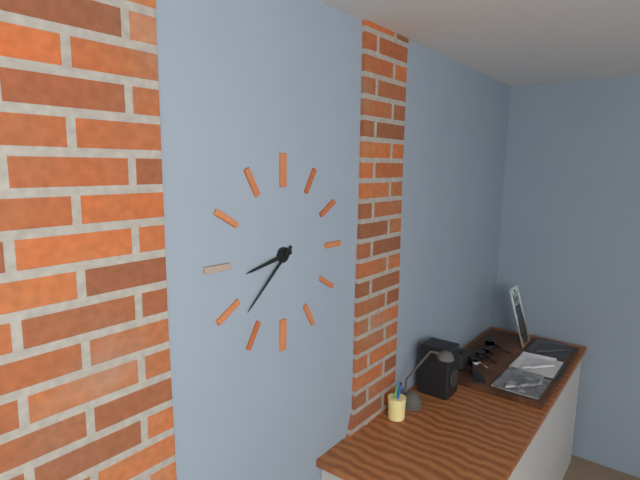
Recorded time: **8:38**
